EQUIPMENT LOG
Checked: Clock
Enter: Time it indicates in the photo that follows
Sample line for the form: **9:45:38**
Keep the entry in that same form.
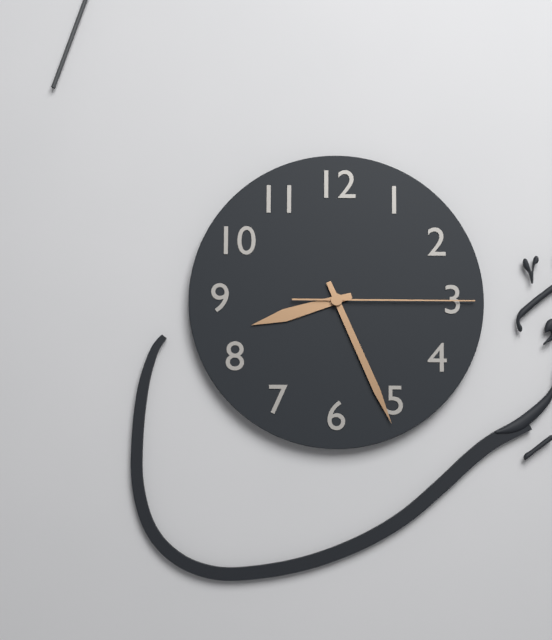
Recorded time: **8:26:15**
